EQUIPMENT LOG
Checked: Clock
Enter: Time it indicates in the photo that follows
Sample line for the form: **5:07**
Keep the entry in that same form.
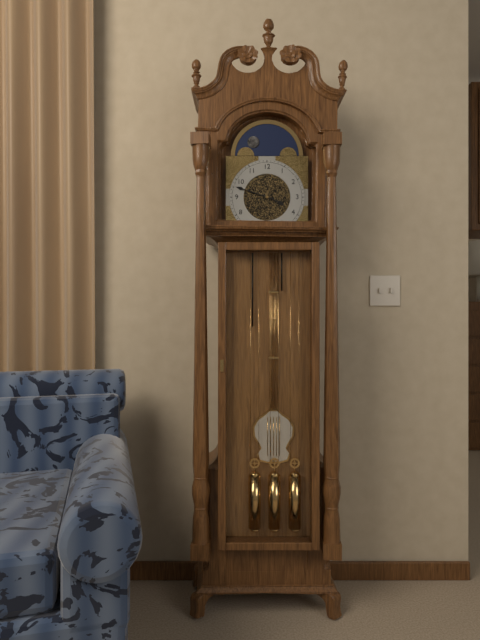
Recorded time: **3:48**
